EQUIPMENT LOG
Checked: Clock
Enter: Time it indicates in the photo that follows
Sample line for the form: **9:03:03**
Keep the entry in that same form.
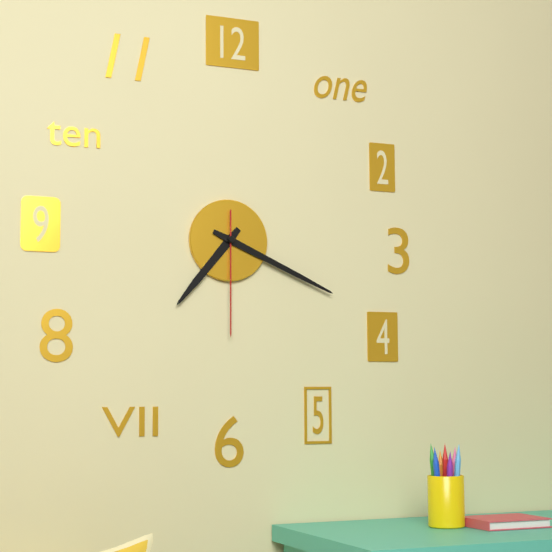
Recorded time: **7:19:30**
